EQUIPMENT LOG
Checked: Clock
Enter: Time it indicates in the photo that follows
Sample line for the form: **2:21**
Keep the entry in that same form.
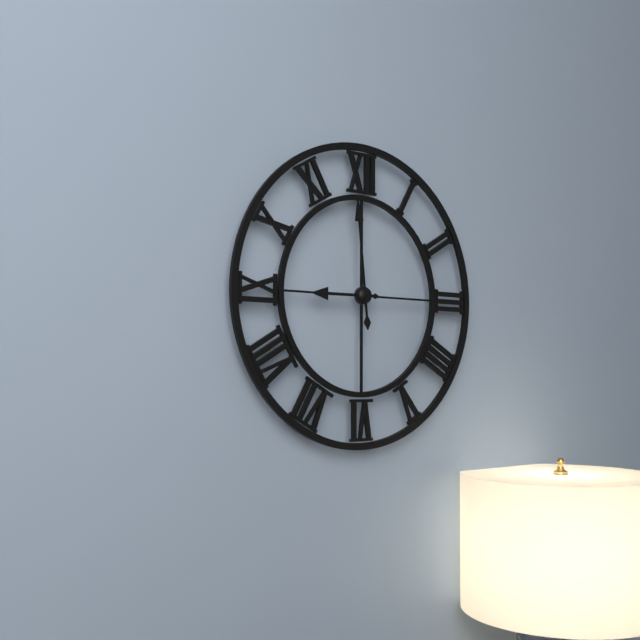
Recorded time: **8:59**
